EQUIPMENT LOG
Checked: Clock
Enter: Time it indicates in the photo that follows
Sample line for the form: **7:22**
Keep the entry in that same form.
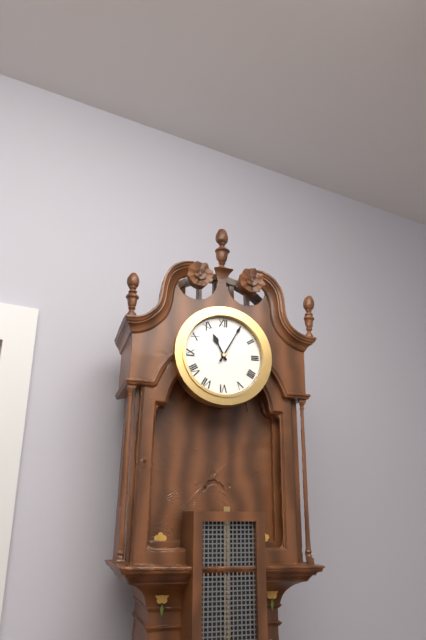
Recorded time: **11:05**
